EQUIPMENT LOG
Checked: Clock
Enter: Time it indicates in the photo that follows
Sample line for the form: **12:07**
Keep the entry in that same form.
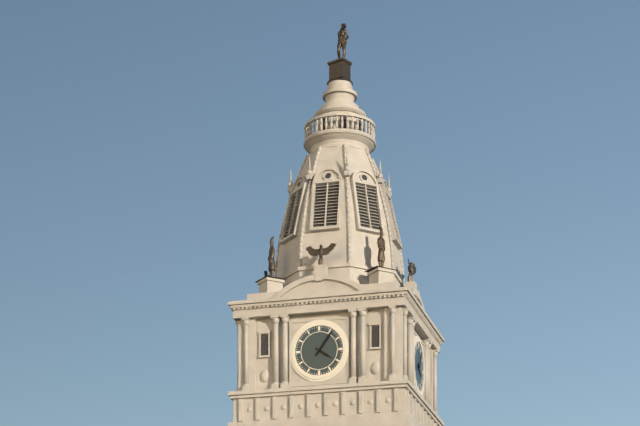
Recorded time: **4:06**
